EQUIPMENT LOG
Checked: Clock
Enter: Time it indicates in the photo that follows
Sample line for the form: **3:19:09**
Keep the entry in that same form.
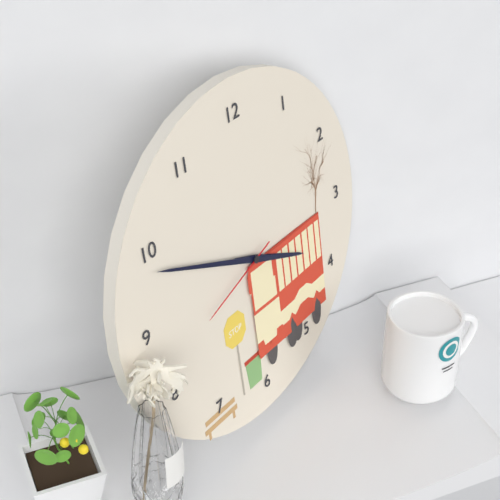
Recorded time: **3:49:42**
